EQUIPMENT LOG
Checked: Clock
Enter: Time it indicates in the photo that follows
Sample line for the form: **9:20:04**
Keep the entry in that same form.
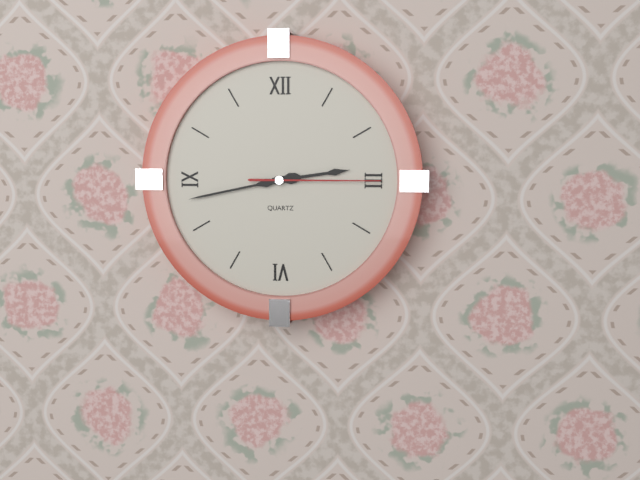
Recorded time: **2:43:15**
